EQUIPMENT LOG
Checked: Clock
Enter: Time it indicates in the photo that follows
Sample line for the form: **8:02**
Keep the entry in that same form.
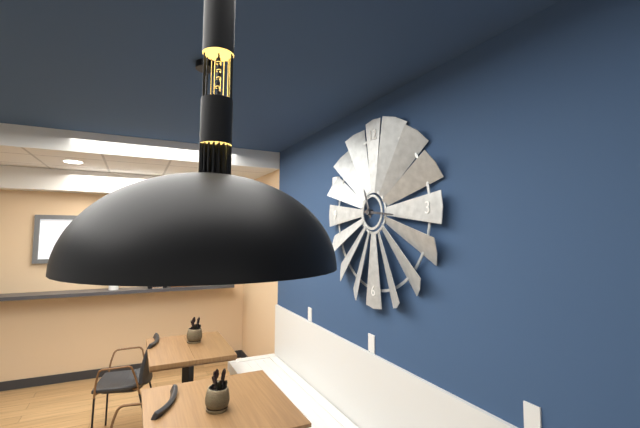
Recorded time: **11:16**
